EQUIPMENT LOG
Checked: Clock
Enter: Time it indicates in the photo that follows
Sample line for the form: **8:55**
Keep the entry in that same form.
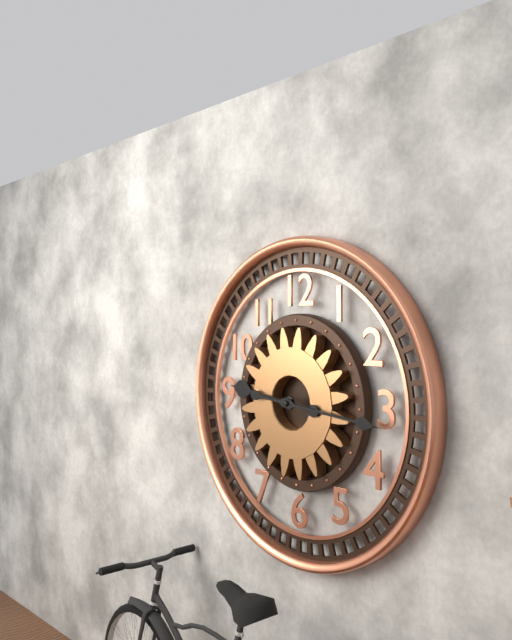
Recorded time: **9:16**
